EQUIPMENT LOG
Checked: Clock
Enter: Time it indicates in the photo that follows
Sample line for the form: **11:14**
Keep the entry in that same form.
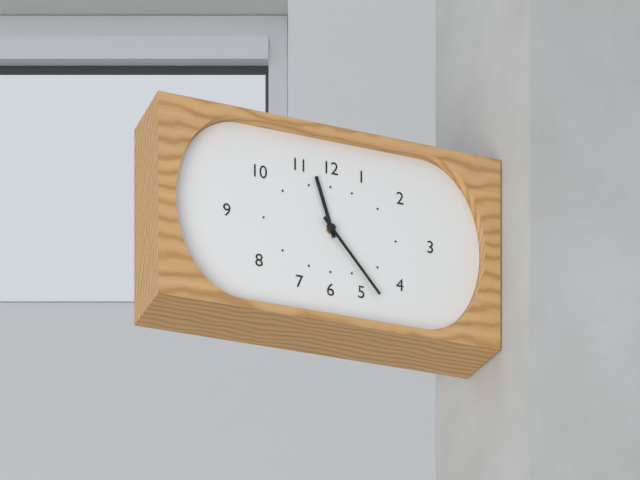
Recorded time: **11:23**
